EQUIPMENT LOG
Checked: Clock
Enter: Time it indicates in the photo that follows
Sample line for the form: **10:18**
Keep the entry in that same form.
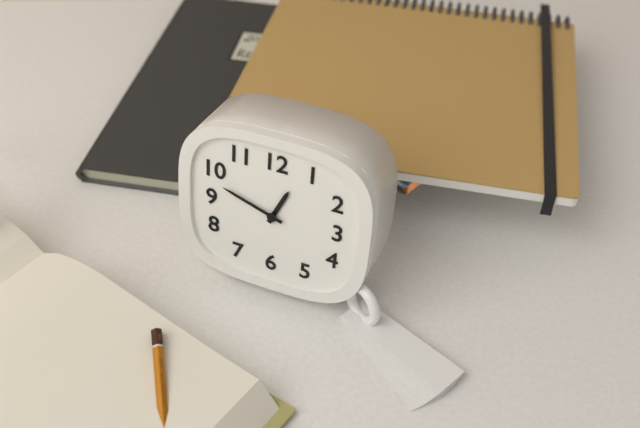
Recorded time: **12:48**
